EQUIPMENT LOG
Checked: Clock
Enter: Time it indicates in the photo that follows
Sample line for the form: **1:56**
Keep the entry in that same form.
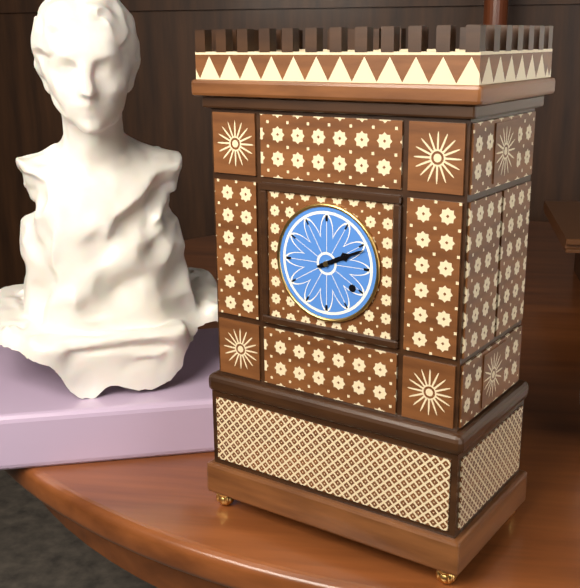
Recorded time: **2:11**
